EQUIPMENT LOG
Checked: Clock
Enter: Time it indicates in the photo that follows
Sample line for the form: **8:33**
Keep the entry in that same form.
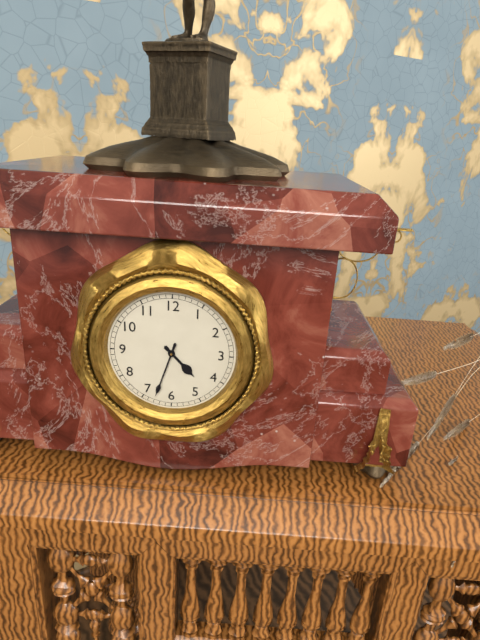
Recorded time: **4:33**
